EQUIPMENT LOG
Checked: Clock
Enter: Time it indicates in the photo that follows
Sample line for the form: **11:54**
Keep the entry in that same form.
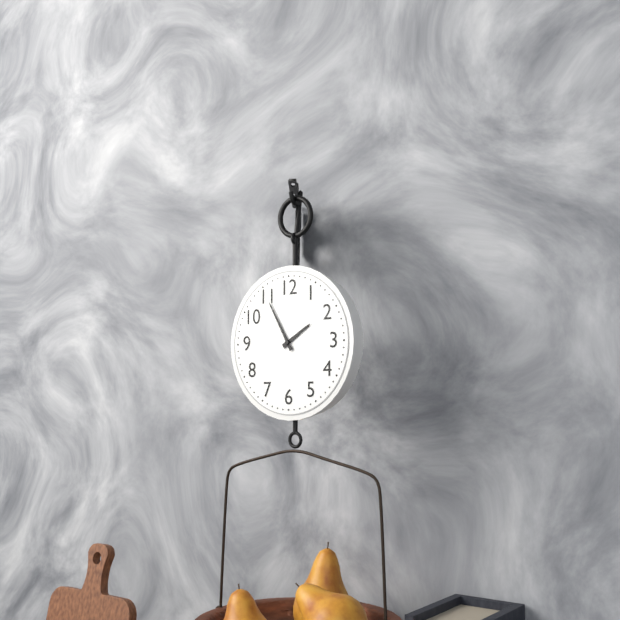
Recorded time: **1:55**
